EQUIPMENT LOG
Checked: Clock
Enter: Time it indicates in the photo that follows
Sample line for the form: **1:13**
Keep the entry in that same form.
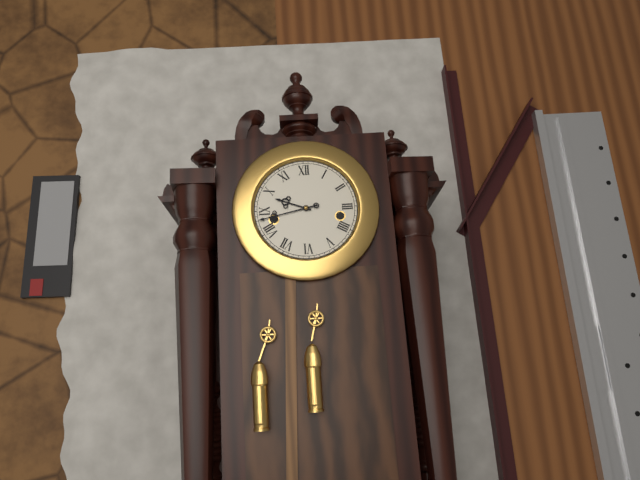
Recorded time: **9:43**
